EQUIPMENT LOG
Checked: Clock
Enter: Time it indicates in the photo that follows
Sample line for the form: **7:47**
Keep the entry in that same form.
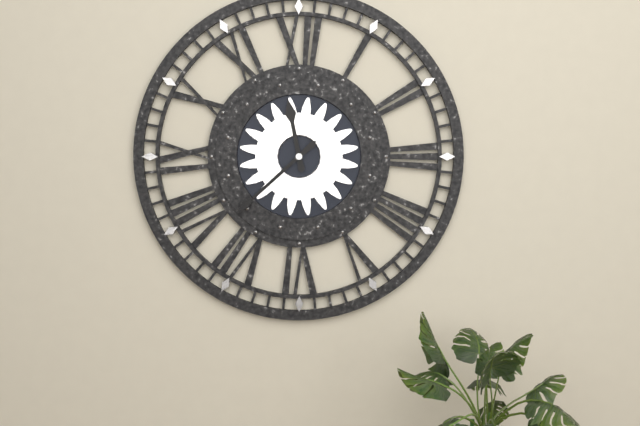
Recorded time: **11:38**
